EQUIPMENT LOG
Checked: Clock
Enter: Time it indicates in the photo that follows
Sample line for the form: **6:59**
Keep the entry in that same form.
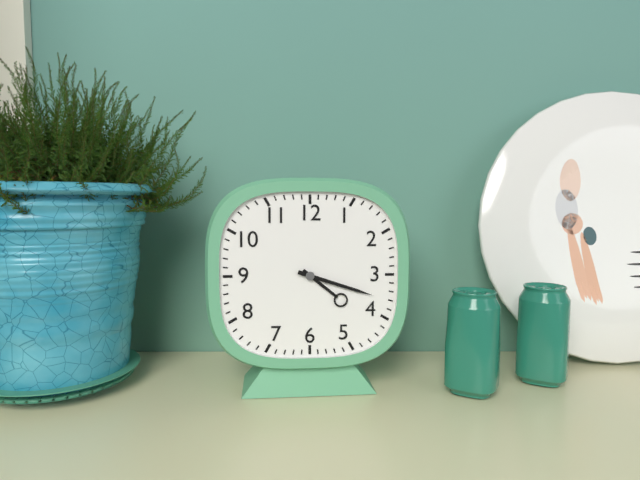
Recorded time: **4:18**
